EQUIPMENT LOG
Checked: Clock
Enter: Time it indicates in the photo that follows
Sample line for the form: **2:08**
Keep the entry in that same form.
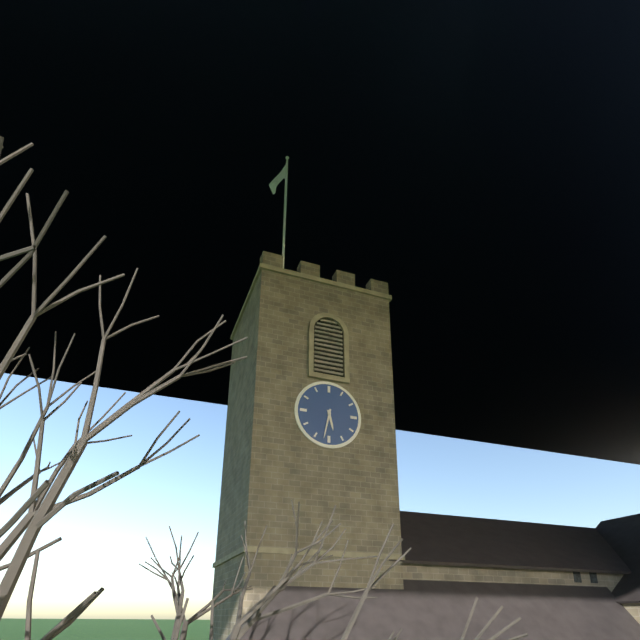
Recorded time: **5:32**
